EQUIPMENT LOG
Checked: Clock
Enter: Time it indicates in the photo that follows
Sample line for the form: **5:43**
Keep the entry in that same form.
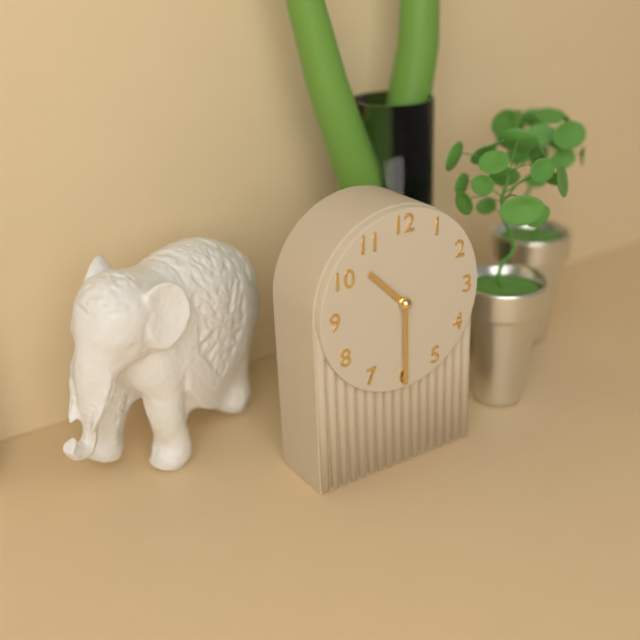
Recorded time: **10:30**
